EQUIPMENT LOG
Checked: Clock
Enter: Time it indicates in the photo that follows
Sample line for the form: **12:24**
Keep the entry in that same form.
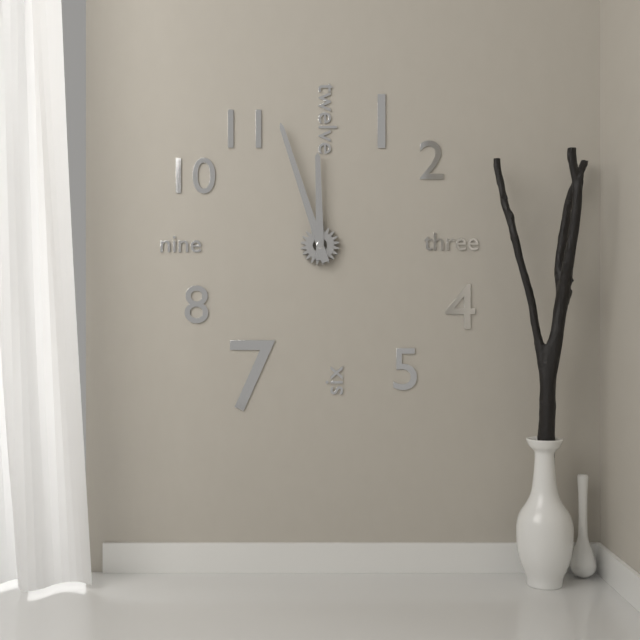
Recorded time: **11:57**
